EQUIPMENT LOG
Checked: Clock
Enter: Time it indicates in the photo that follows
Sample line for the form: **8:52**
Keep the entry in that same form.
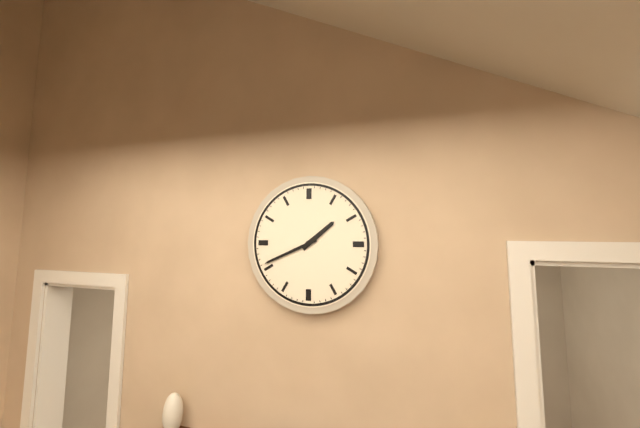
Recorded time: **1:41**
